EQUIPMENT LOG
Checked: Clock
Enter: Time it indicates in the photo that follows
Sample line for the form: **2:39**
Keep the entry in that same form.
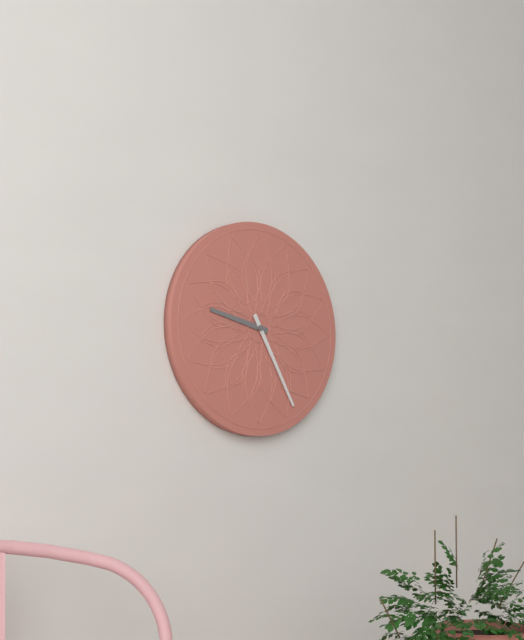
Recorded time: **9:25**
